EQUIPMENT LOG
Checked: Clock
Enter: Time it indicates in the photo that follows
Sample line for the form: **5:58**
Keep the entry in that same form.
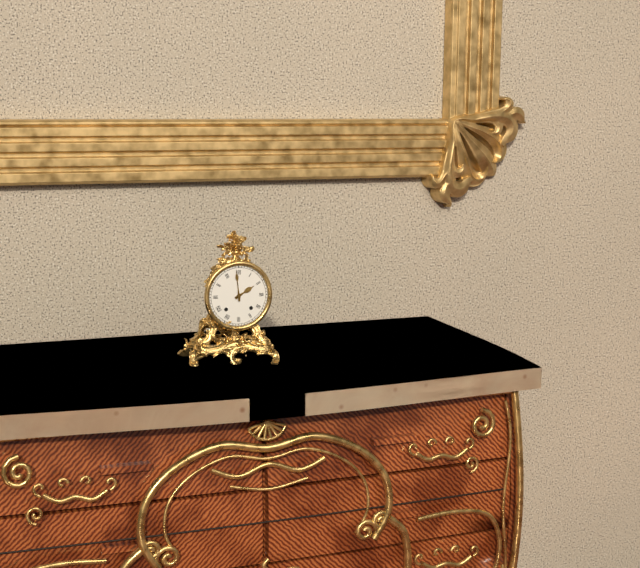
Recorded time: **1:59**
